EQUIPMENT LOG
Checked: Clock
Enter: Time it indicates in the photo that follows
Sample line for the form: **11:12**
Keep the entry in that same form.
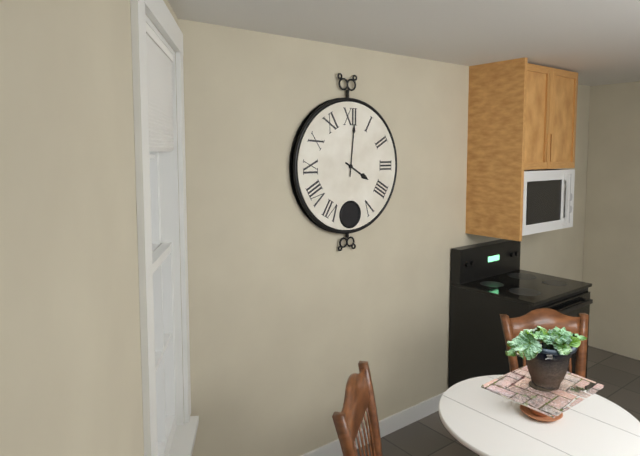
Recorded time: **4:01**
